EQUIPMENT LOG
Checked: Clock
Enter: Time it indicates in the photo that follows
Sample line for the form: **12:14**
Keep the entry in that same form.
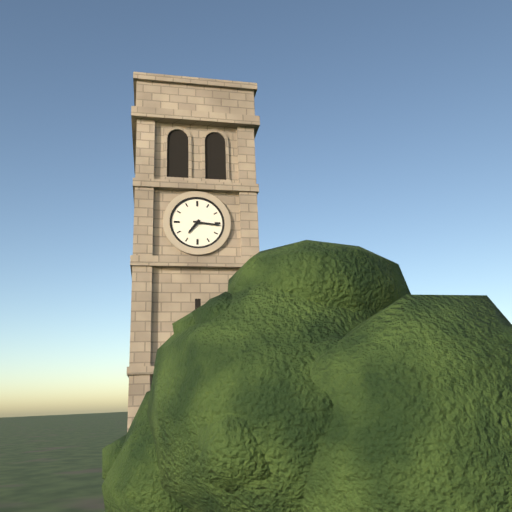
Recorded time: **7:16**
